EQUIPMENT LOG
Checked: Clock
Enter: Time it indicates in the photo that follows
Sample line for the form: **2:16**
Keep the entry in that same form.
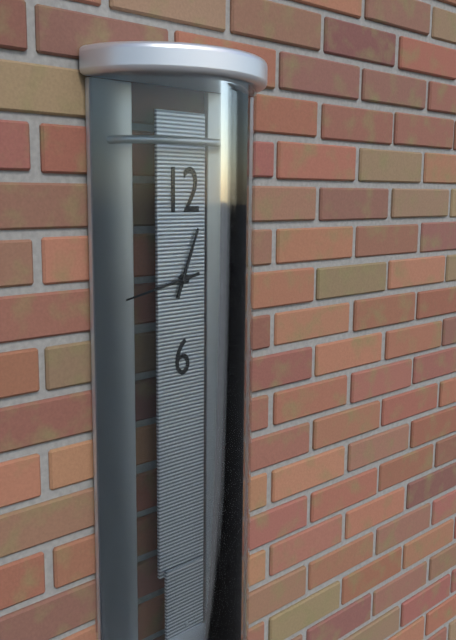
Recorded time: **12:43**
